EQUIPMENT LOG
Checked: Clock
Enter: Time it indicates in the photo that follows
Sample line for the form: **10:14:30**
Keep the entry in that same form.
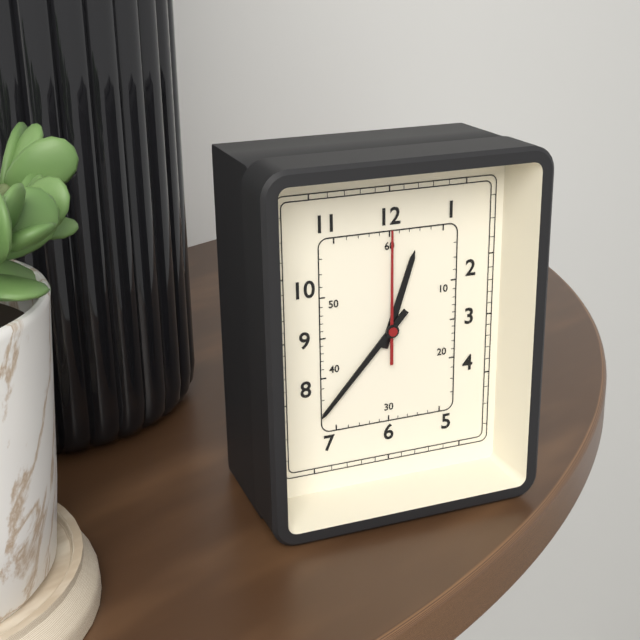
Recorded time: **12:37:00**
